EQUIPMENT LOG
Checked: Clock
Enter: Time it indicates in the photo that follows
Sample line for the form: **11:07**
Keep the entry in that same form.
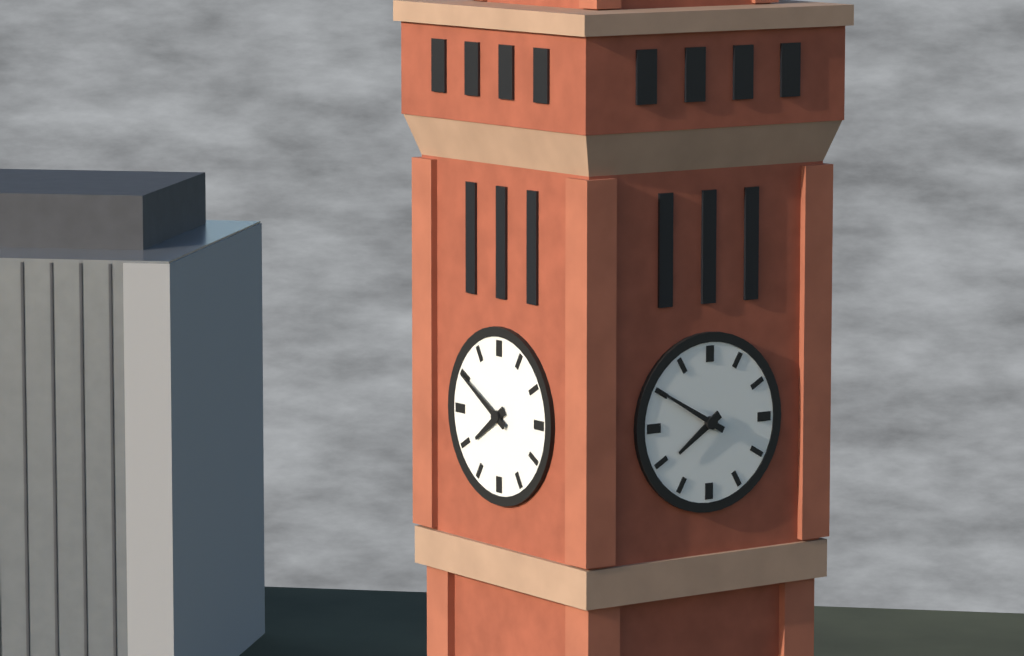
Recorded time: **7:50**
